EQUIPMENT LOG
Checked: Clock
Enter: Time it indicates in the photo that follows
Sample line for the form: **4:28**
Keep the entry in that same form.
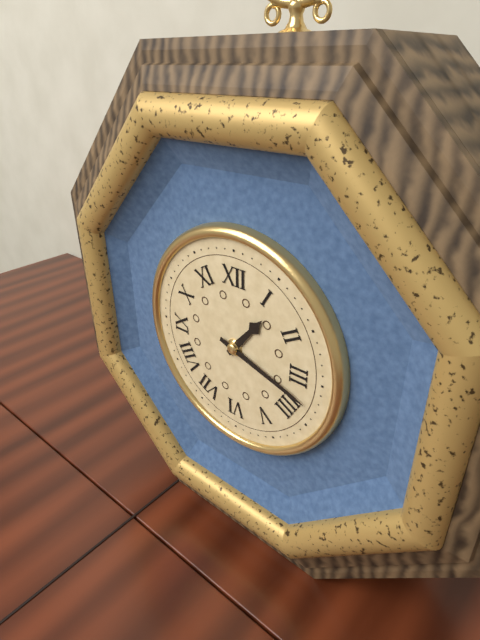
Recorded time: **1:18**
